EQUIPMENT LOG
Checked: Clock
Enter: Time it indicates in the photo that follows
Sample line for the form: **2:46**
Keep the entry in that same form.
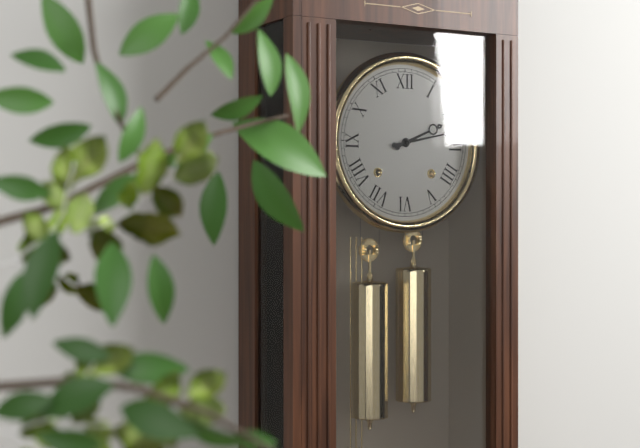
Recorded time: **2:13**
